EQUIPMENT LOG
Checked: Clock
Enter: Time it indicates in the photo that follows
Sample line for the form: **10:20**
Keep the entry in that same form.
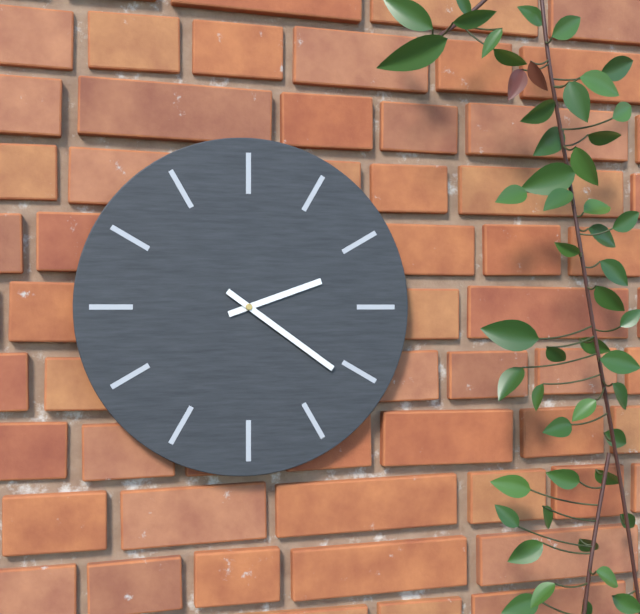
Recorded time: **2:21**
